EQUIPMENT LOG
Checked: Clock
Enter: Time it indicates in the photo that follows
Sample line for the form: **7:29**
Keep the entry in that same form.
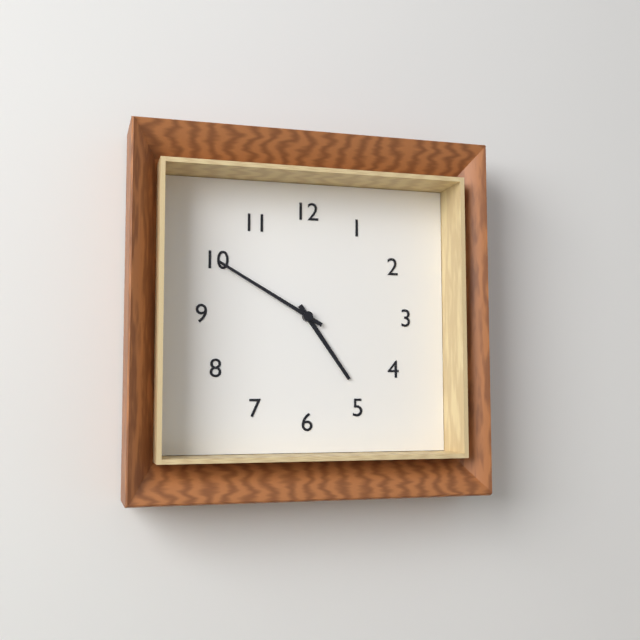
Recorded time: **4:50**
